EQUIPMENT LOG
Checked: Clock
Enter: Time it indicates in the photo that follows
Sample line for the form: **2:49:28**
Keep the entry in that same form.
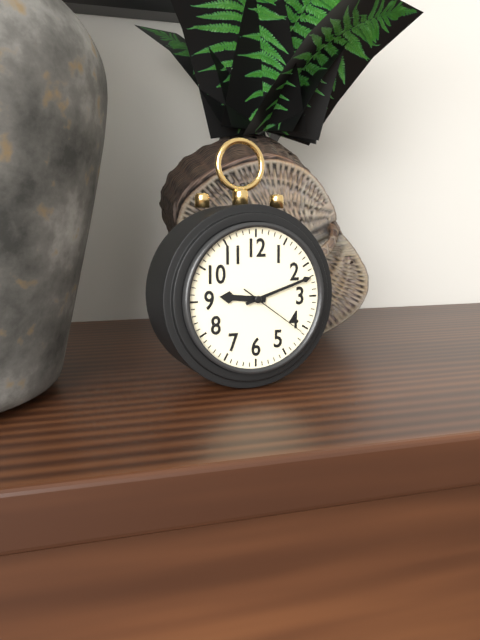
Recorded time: **9:12:21**
